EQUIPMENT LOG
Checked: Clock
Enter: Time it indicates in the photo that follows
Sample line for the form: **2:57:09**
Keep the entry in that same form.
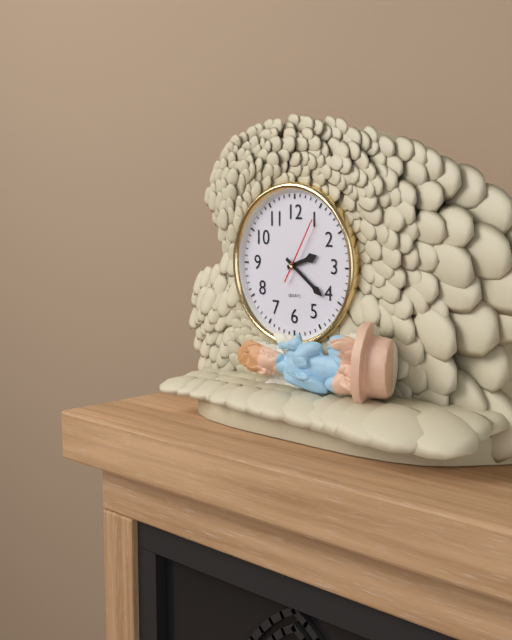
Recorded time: **2:21:05**
